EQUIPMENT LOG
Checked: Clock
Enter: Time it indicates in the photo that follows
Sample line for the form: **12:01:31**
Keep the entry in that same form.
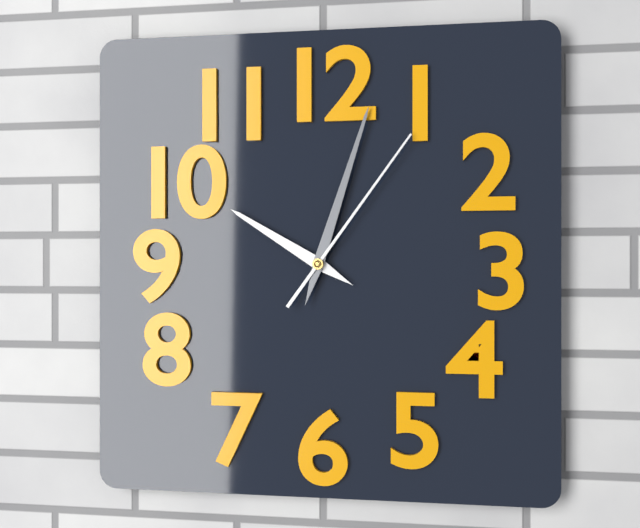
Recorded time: **10:03:06**
